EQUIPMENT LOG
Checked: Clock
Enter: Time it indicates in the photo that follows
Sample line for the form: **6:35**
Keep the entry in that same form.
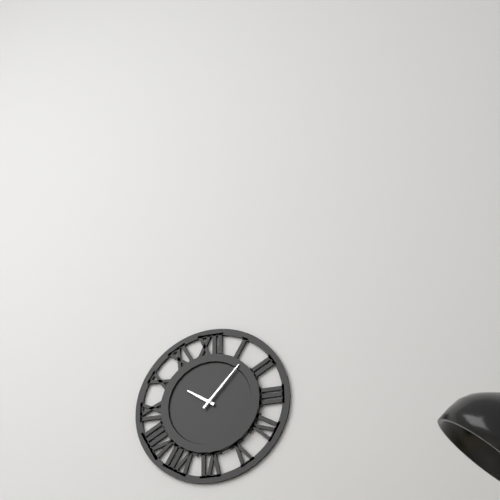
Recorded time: **10:07**
